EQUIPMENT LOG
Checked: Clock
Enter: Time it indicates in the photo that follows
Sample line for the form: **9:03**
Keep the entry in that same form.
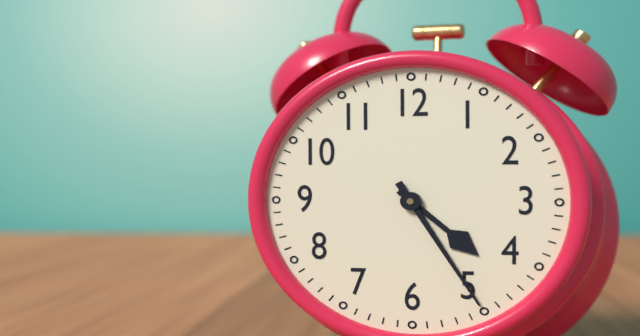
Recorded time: **4:25**
